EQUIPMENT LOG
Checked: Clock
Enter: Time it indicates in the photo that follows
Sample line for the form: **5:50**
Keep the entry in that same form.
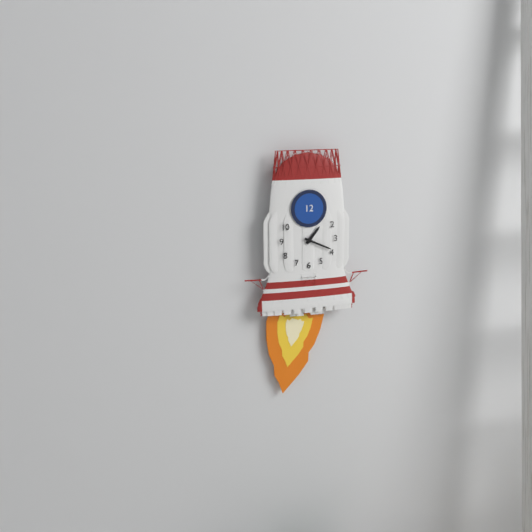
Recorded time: **1:19**
